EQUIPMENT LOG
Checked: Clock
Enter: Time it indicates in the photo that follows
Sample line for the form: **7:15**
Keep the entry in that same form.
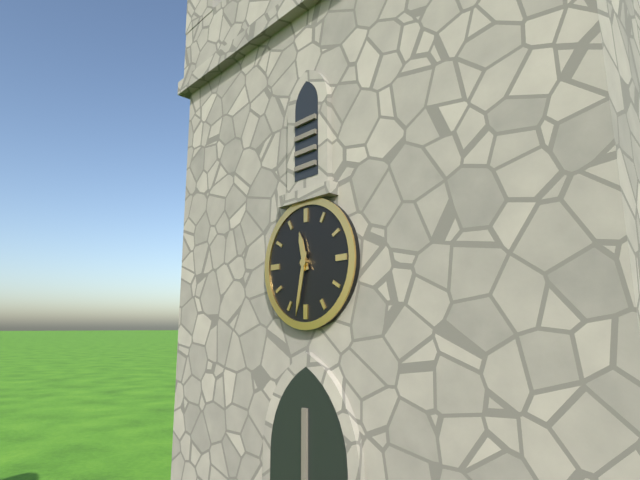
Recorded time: **11:32**
